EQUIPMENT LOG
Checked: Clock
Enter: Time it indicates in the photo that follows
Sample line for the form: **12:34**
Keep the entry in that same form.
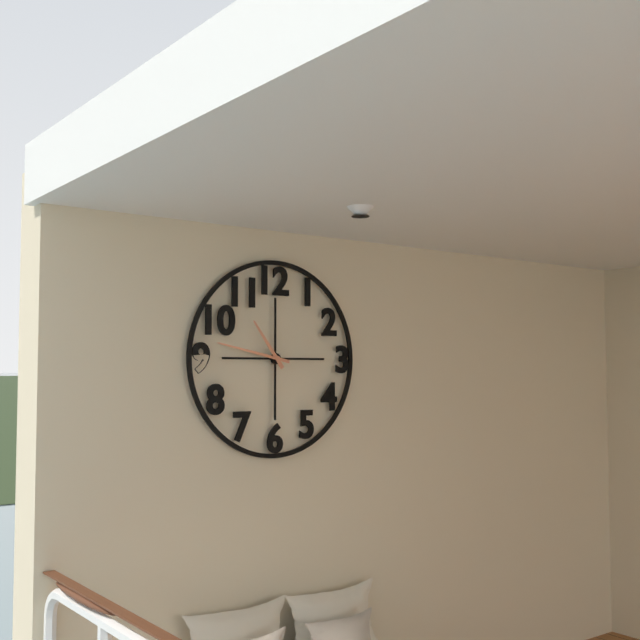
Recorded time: **10:47**
